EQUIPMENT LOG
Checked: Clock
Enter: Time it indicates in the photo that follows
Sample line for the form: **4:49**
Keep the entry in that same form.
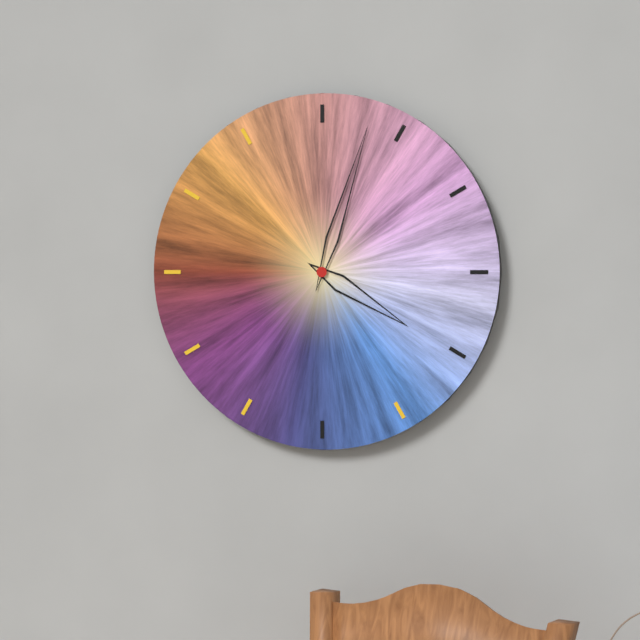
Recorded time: **4:03**
